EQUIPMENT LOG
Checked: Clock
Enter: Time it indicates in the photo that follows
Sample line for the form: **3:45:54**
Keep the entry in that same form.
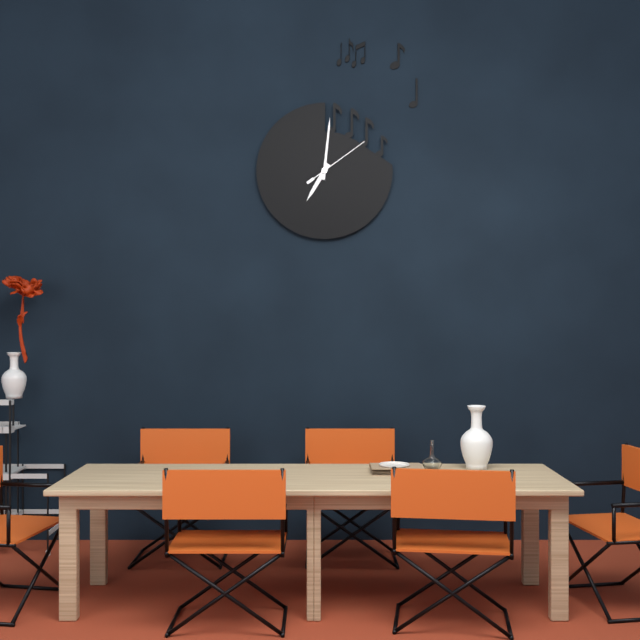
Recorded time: **7:01:09**
